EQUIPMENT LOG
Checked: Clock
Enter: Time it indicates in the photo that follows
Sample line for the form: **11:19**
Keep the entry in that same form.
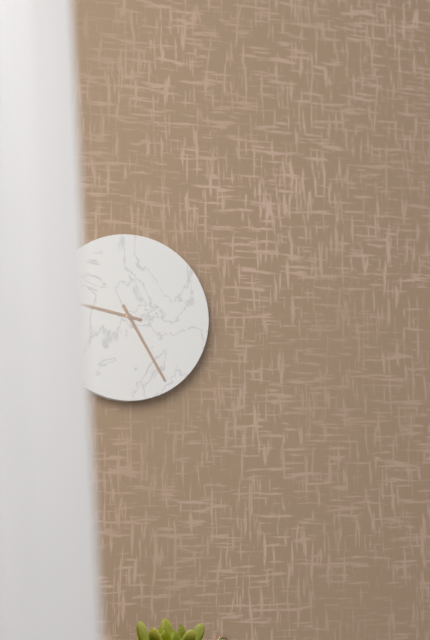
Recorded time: **9:25**
